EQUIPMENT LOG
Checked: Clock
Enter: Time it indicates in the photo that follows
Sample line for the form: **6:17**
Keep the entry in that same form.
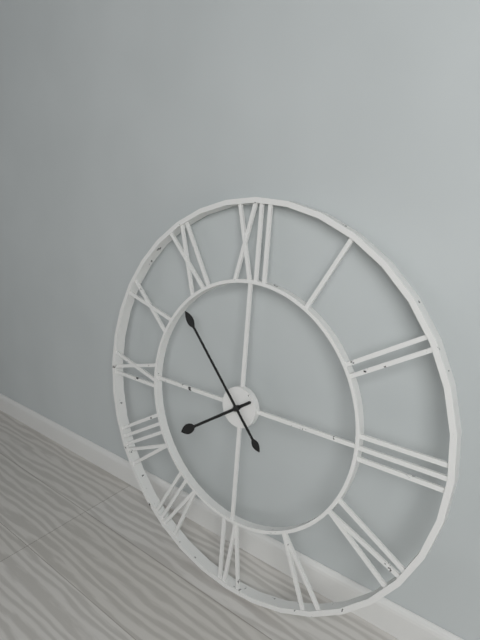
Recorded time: **7:53**
